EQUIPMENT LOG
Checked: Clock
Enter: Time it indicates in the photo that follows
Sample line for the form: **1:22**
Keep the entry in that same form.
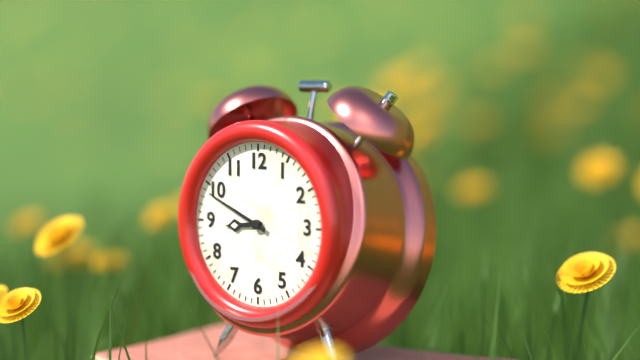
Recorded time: **8:49**
